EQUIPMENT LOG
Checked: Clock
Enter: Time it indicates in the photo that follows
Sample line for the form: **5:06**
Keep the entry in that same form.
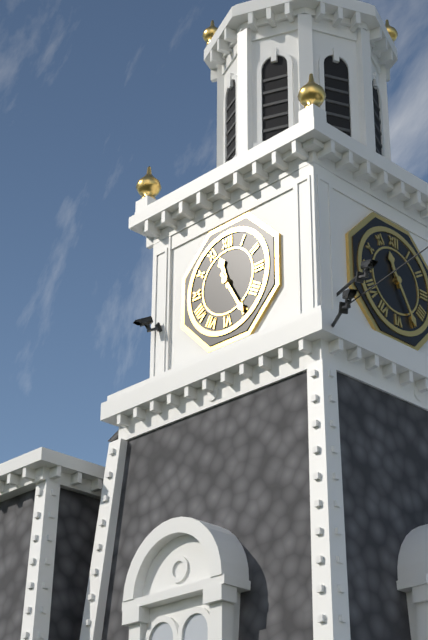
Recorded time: **11:25**
